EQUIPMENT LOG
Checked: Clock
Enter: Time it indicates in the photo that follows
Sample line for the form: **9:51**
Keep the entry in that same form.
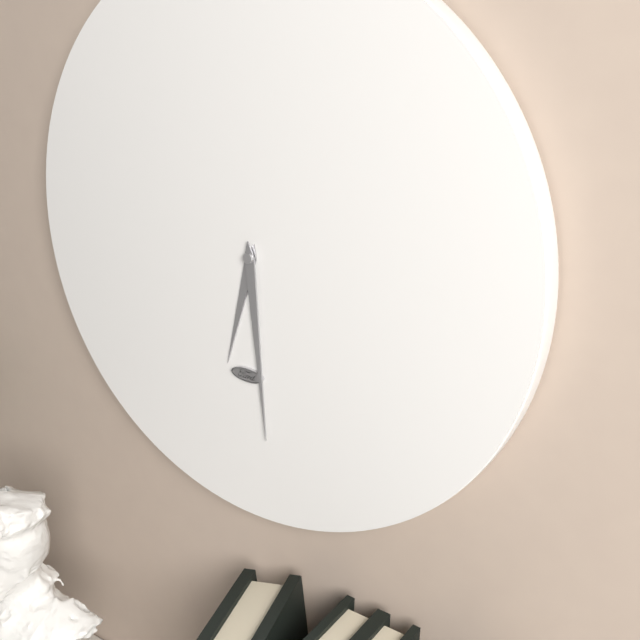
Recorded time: **6:29**
